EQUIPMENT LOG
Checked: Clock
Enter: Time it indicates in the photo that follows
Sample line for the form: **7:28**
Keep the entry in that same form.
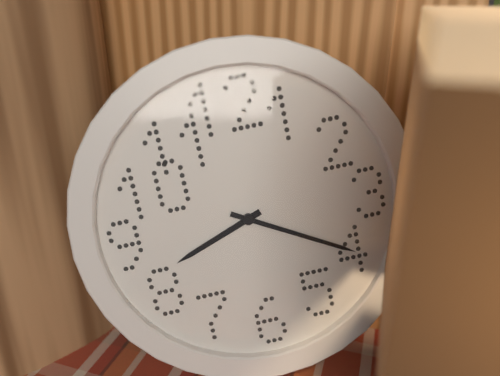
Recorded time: **8:20**
